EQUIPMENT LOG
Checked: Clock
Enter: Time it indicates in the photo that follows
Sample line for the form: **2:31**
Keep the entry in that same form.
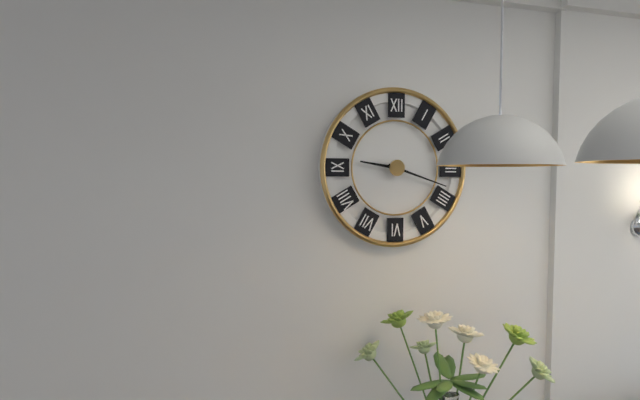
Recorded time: **9:18**
